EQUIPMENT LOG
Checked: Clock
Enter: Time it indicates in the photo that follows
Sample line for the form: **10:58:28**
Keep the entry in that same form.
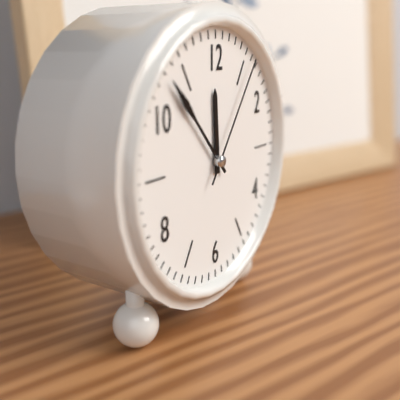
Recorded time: **11:53:06**
